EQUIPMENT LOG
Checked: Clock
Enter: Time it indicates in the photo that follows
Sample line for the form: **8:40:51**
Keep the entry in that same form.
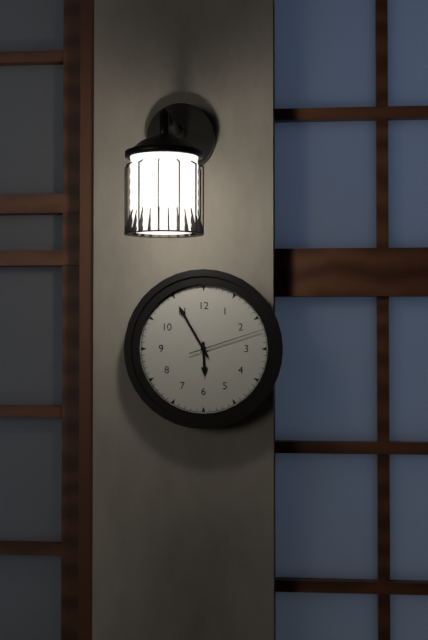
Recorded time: **5:55:12**
